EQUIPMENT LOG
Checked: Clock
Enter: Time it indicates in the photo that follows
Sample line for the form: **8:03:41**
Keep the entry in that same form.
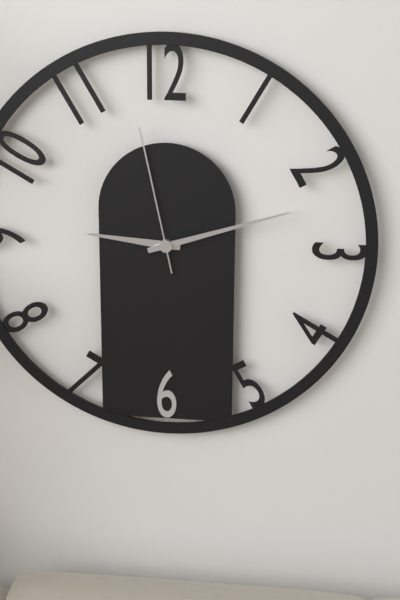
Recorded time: **9:12:58**
